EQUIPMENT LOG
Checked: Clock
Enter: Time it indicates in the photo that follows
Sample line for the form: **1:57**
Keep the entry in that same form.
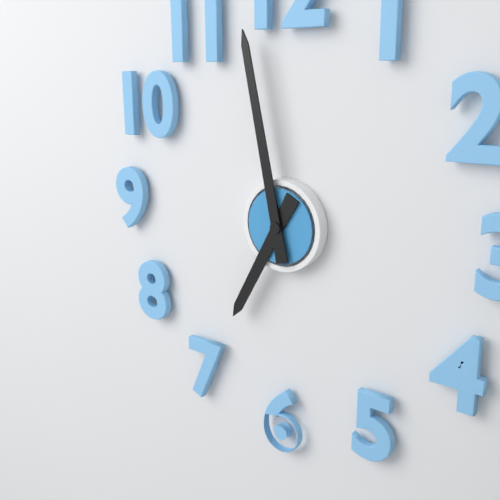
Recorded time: **6:58**
